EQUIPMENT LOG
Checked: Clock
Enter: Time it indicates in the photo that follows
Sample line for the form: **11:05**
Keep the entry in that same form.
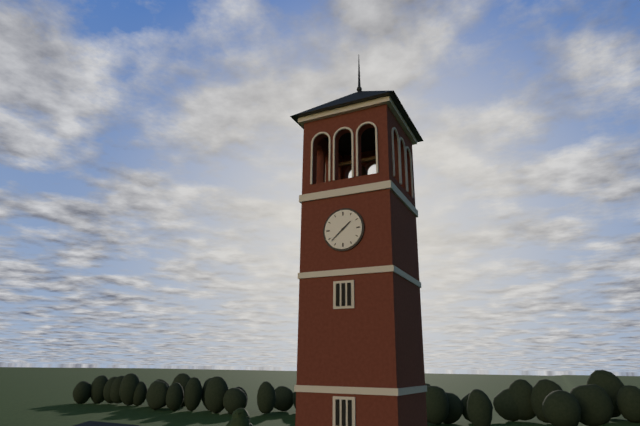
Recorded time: **1:38**
